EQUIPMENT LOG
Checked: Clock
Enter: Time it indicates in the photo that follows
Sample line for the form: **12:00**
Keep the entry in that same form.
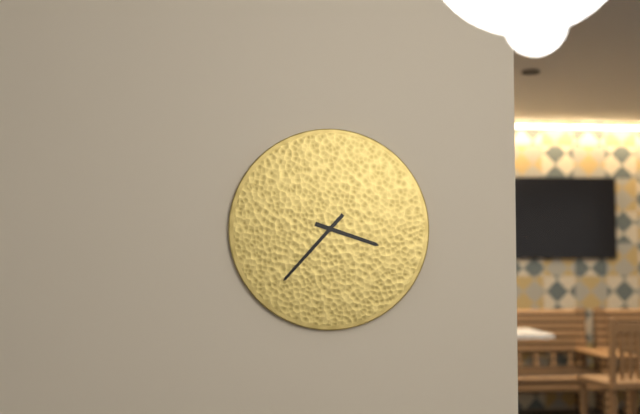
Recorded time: **3:37**
